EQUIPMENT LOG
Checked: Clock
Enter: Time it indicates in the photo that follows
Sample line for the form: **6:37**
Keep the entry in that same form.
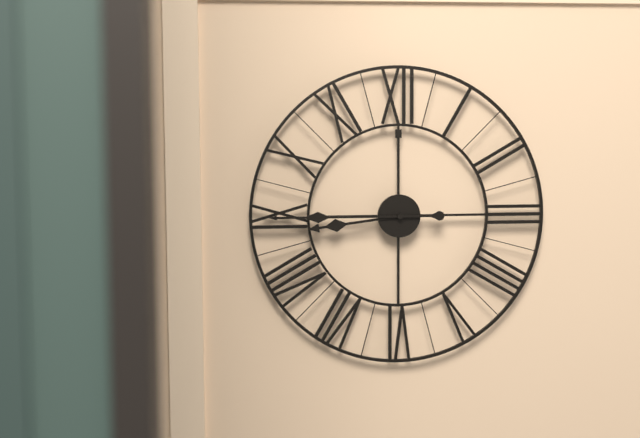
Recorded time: **8:45**
